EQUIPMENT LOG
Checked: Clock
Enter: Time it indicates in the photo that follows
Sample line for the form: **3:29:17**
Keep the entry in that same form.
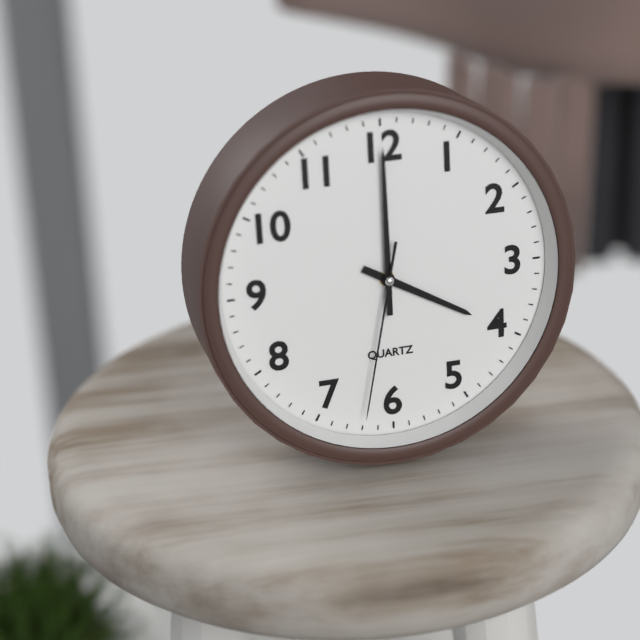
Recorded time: **4:00:32**
